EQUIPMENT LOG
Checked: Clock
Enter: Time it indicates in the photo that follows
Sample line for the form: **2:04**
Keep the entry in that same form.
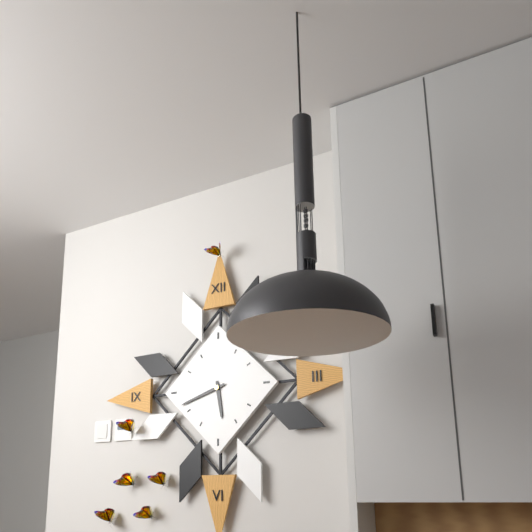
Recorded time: **5:42**
